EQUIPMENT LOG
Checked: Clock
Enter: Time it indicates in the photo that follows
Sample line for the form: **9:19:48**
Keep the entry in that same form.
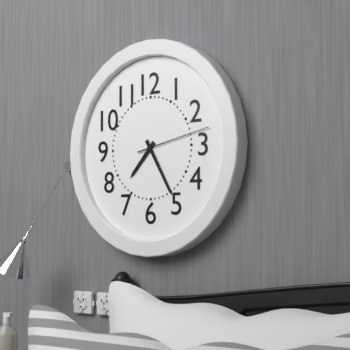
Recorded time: **7:25:13**
